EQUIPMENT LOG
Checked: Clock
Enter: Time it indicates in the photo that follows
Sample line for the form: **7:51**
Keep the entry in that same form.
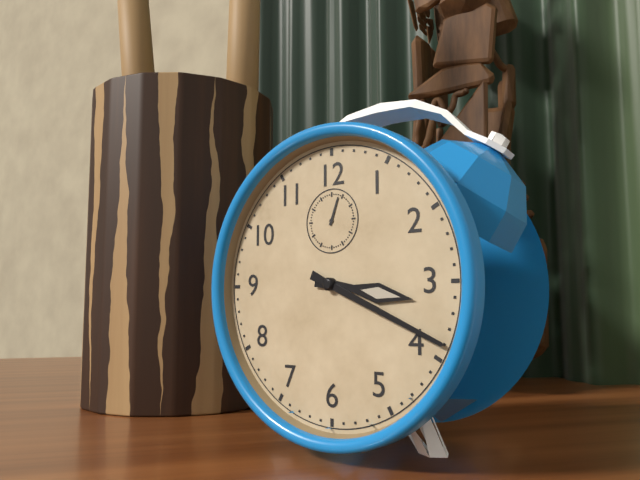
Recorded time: **3:19**
